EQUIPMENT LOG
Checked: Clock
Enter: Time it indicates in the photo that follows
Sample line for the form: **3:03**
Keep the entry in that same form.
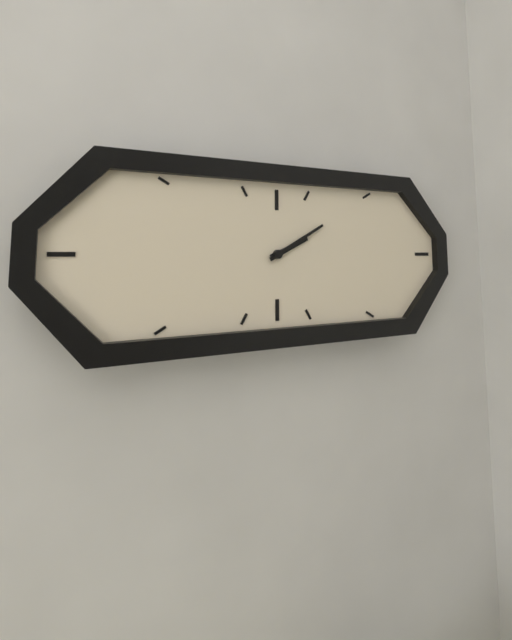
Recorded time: **2:10**
